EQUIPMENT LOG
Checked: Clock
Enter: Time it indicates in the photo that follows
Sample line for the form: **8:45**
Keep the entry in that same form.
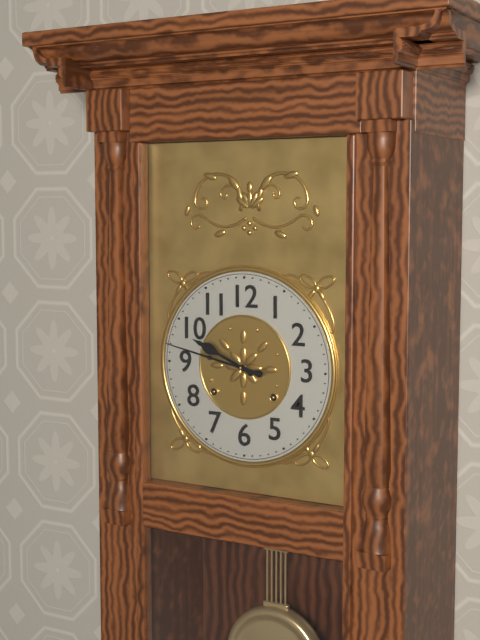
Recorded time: **9:47**
